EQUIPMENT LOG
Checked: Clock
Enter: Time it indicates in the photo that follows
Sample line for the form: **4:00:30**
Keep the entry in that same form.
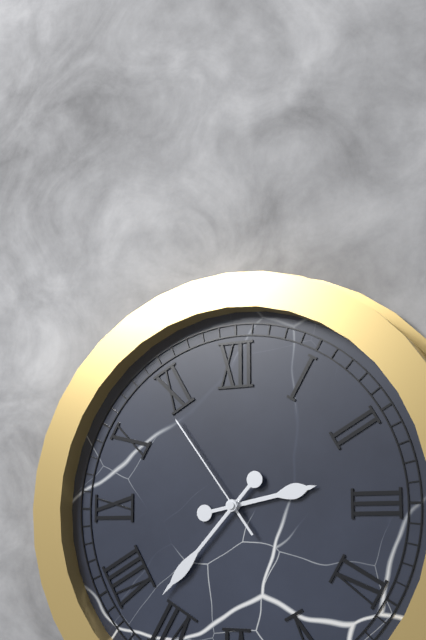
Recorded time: **2:37:54**
